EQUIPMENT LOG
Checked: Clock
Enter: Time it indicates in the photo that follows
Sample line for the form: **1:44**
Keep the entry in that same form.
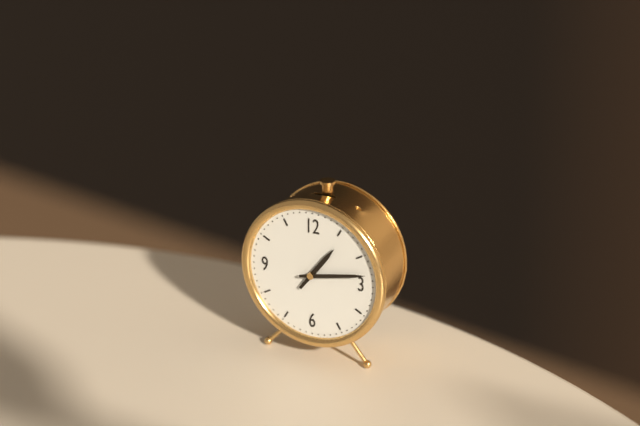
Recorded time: **1:13**
